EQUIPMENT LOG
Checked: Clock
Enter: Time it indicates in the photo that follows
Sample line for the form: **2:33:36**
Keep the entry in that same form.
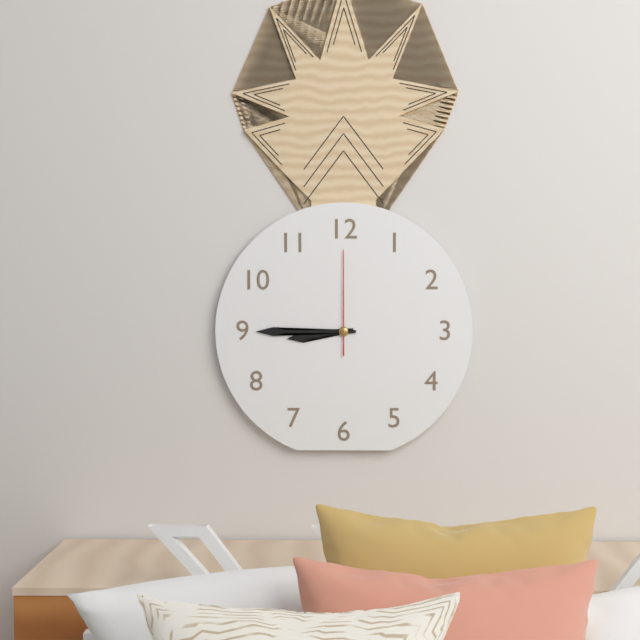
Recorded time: **8:45:00**
